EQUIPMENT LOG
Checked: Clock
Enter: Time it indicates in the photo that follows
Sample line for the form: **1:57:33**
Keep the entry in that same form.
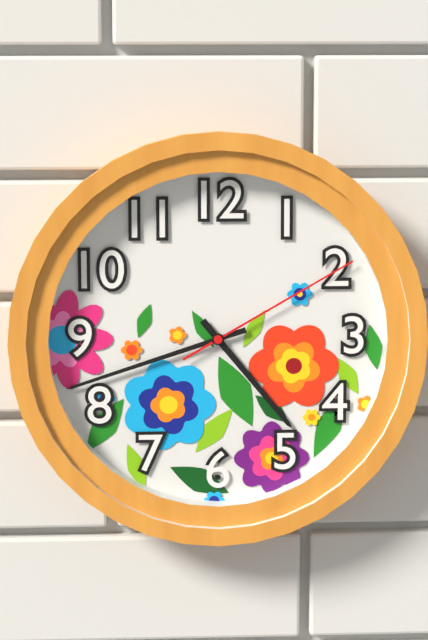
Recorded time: **4:42:10**
